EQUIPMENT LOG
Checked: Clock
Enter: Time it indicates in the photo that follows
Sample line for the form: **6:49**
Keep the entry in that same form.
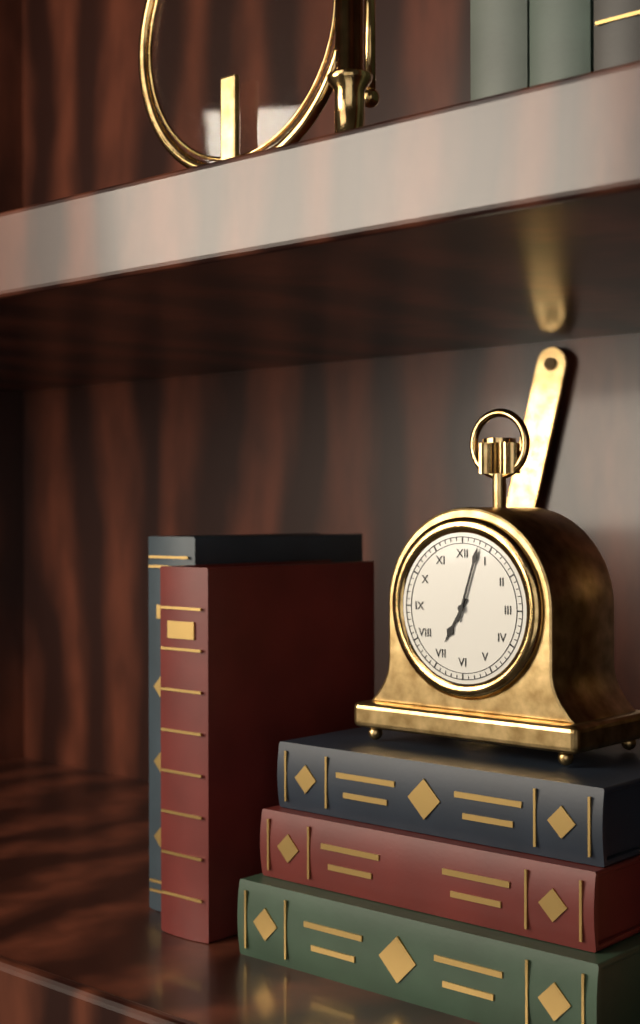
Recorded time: **7:03**
